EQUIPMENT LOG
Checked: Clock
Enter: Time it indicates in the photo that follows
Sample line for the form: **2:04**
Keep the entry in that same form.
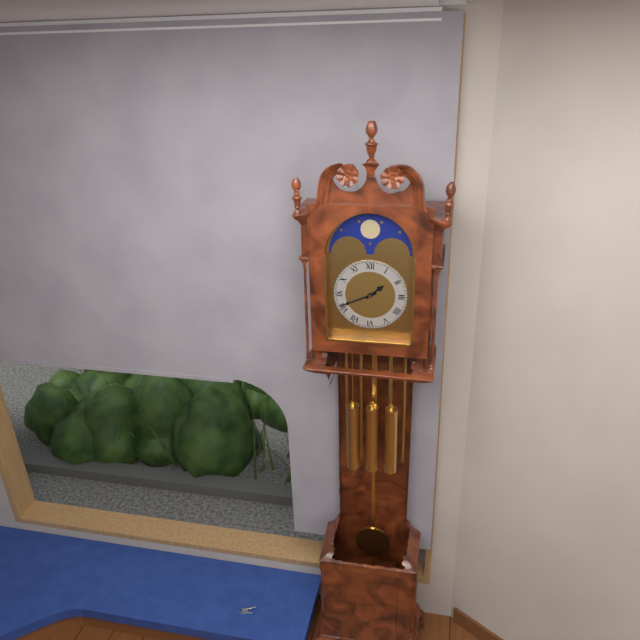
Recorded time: **1:41**
